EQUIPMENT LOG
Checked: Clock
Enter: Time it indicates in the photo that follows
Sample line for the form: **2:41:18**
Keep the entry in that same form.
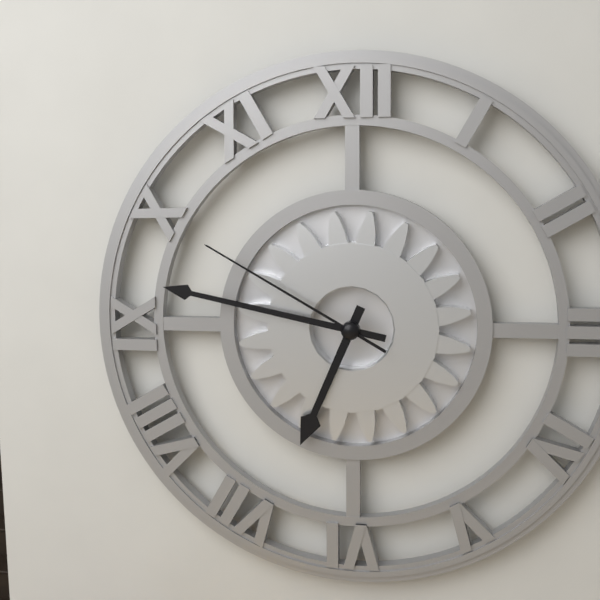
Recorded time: **6:47:50**
